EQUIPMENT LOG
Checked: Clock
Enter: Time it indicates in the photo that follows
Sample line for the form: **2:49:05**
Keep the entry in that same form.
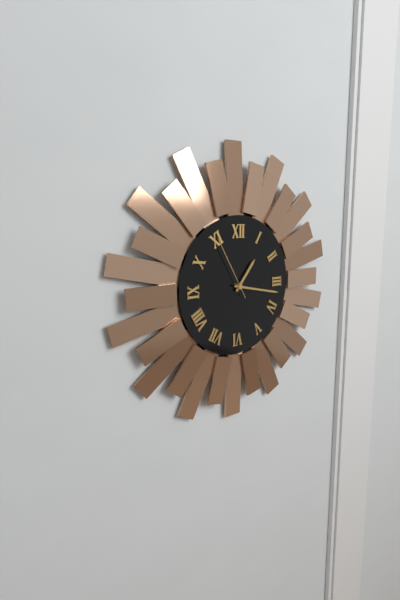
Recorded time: **1:17:55**
